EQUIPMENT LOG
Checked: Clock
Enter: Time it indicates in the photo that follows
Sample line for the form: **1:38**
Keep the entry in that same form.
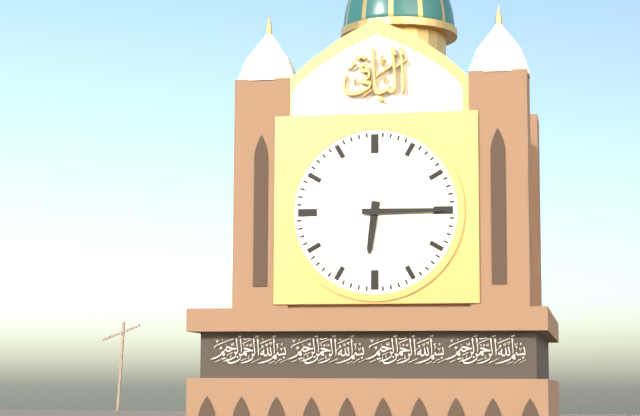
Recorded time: **6:15**
